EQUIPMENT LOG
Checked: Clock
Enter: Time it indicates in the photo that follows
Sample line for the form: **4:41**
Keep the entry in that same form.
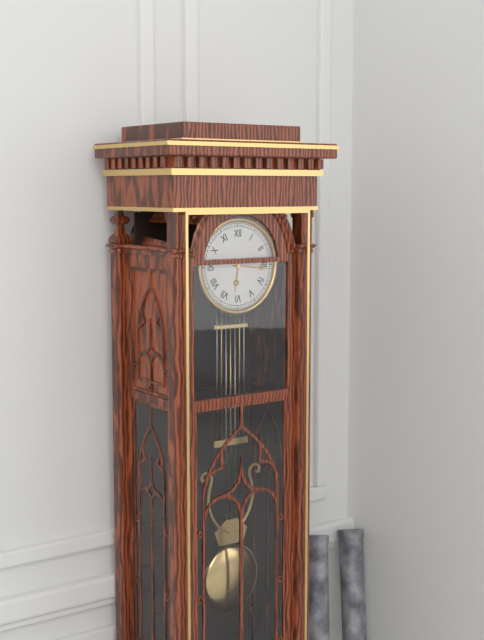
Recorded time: **6:16**
